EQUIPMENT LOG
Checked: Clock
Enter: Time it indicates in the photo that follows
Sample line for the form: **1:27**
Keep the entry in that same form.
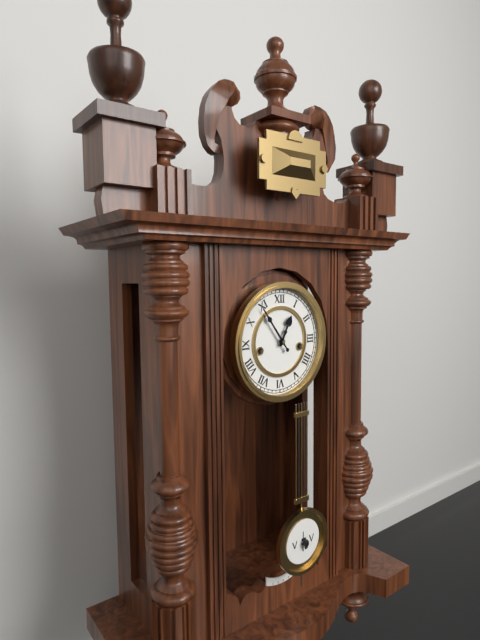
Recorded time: **12:54**
